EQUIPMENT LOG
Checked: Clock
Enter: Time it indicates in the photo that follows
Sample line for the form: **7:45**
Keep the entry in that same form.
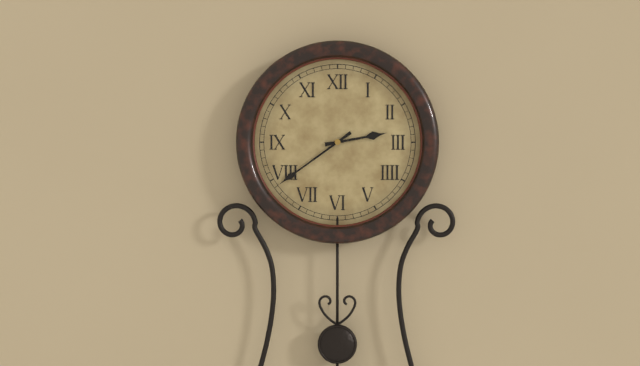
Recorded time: **2:39**
